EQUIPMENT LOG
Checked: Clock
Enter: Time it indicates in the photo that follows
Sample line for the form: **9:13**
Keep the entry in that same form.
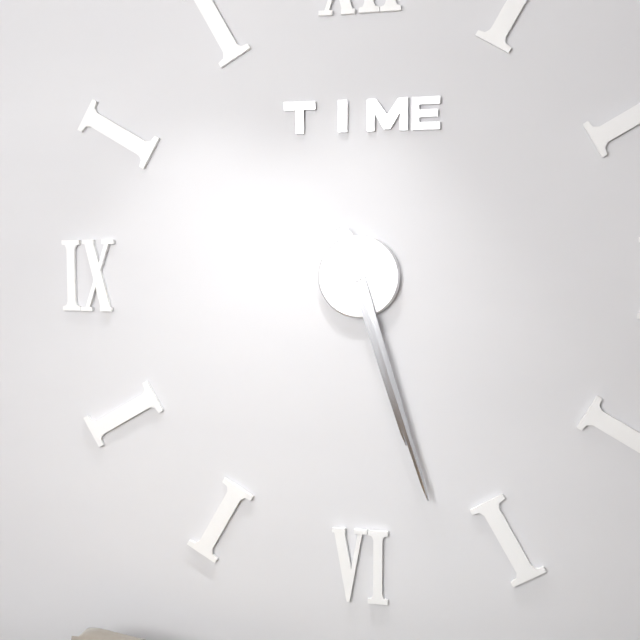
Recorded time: **5:27**
